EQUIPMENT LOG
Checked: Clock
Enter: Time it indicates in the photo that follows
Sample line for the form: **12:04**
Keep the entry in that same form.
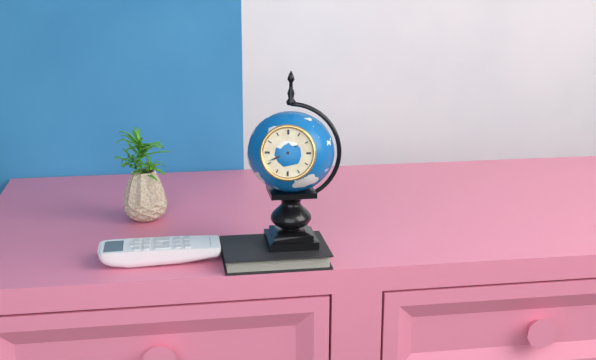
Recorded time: **1:41**
